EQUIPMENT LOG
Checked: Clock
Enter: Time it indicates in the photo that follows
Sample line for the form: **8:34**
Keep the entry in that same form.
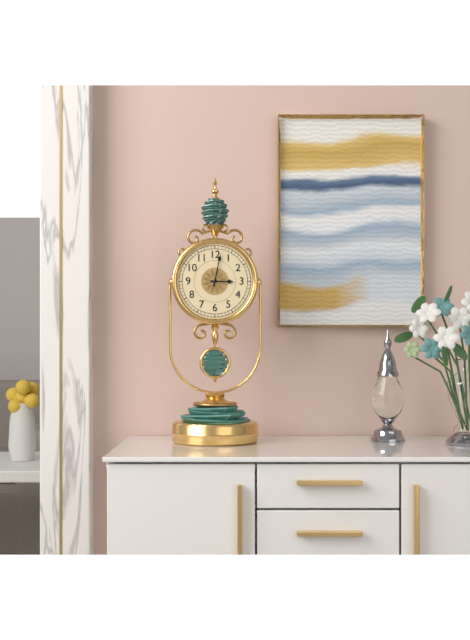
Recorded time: **3:02**
